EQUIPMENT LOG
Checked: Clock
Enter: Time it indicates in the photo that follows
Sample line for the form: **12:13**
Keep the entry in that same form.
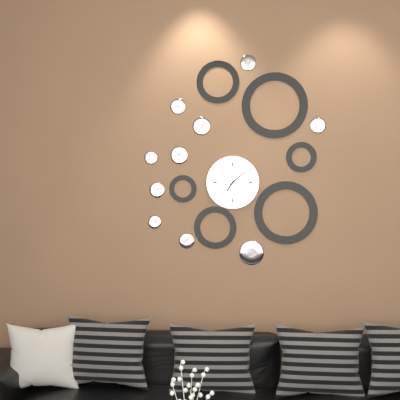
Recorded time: **7:08**
